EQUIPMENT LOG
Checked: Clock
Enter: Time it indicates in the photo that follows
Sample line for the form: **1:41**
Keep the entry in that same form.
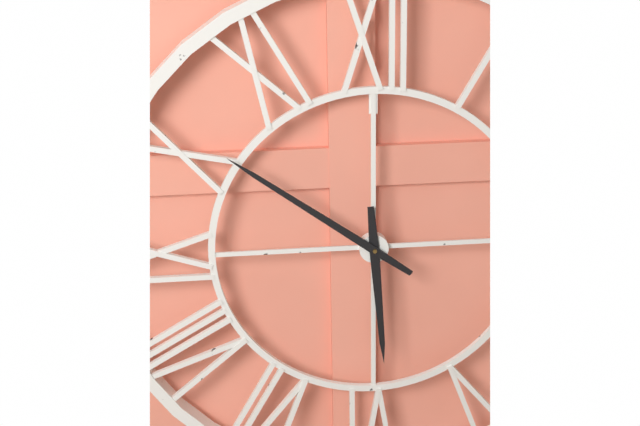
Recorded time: **5:51**
